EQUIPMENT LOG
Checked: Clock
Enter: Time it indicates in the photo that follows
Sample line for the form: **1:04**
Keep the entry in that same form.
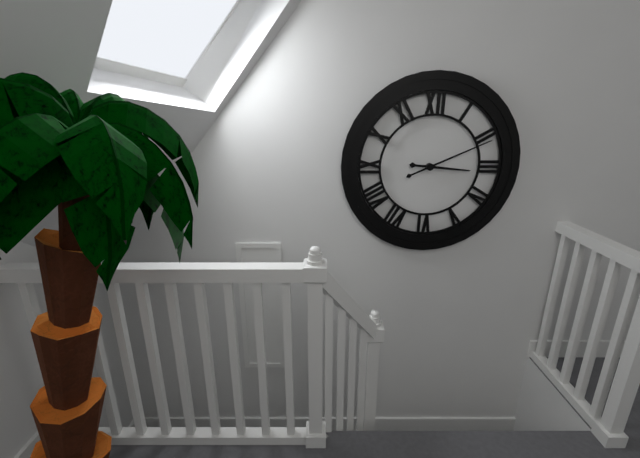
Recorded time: **3:11**
